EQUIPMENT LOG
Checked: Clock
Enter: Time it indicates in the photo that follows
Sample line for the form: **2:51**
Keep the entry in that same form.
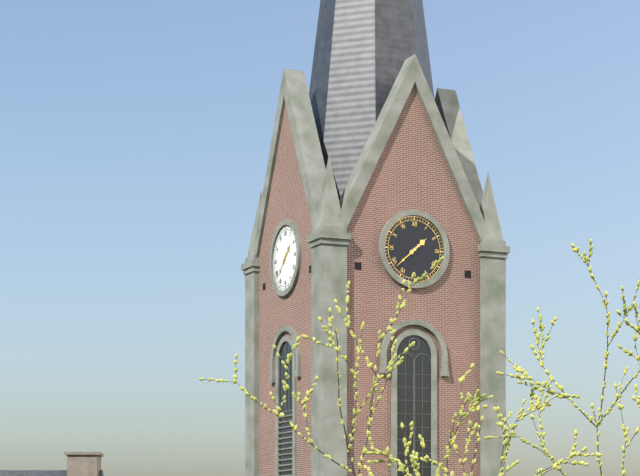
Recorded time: **1:38**
